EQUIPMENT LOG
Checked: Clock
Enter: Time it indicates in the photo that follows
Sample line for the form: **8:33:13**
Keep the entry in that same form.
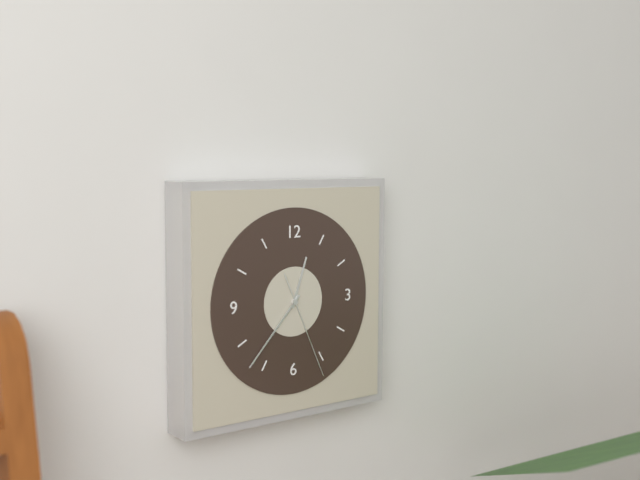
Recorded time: **12:37:26**
